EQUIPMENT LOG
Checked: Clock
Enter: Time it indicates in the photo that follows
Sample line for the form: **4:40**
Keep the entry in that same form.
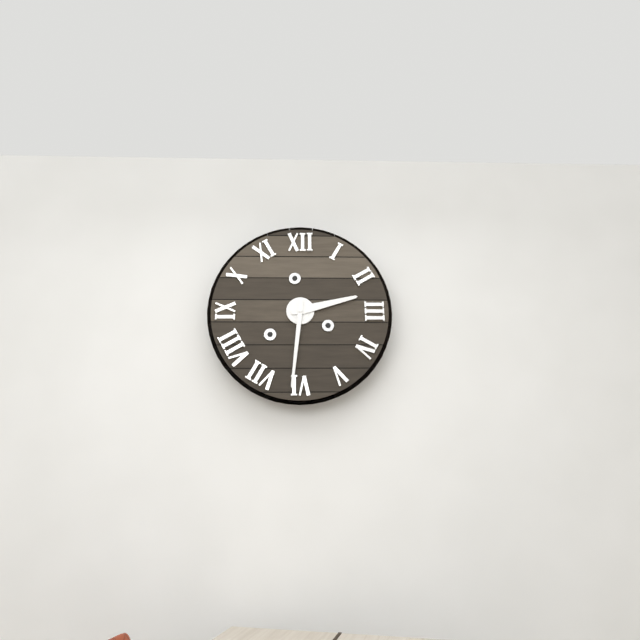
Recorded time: **2:31**
